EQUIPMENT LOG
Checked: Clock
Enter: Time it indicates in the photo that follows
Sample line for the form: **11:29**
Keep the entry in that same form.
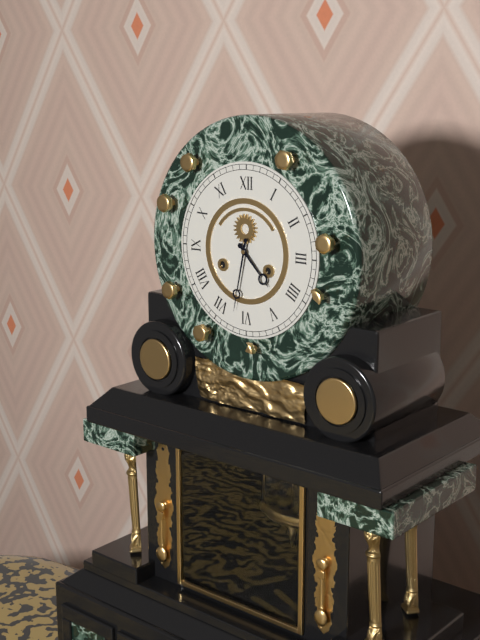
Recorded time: **4:32**
